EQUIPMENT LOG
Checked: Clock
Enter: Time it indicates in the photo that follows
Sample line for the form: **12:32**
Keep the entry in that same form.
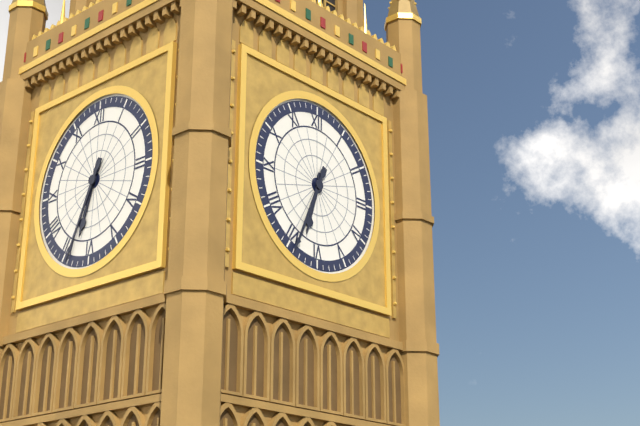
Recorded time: **6:34**
